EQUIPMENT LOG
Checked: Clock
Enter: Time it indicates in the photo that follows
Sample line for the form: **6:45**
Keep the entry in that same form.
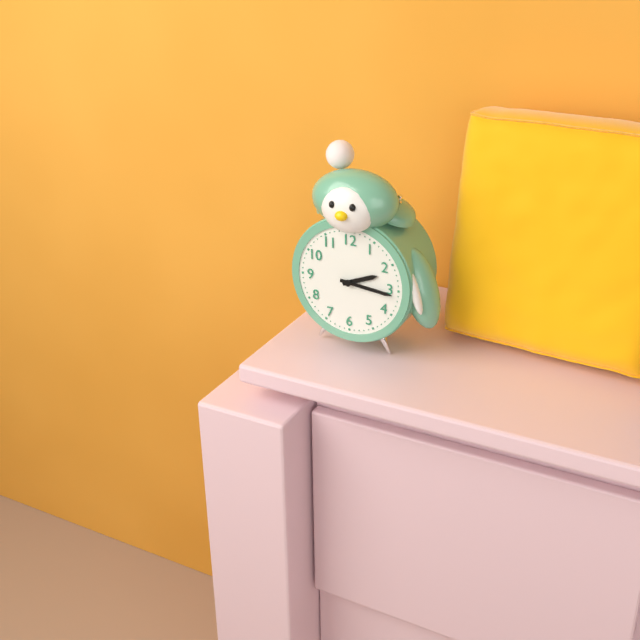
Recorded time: **2:16**
